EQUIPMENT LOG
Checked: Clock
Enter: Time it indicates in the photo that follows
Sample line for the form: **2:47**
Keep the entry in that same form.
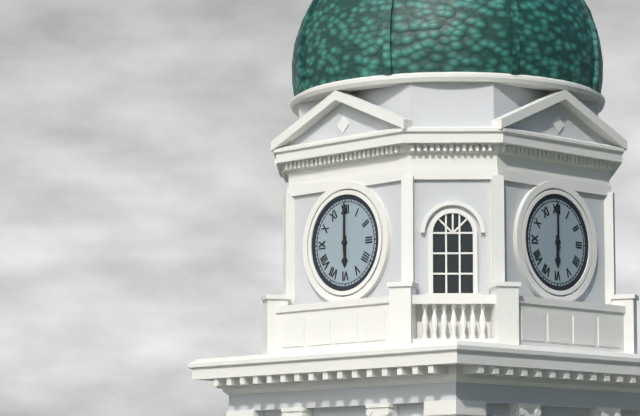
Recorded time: **6:00**
